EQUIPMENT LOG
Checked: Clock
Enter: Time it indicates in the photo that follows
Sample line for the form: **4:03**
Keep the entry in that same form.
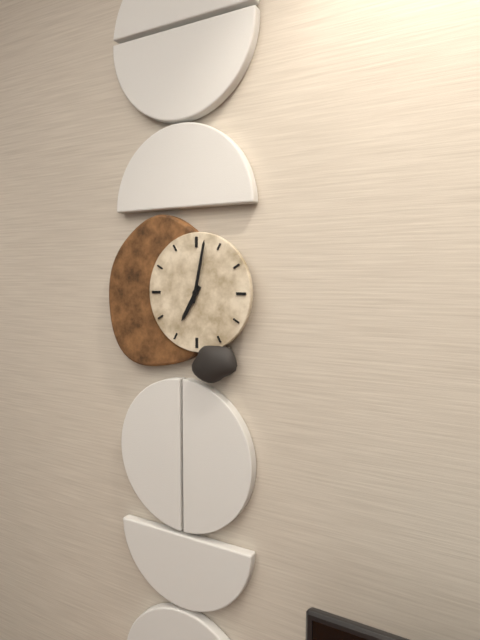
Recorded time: **7:02**
